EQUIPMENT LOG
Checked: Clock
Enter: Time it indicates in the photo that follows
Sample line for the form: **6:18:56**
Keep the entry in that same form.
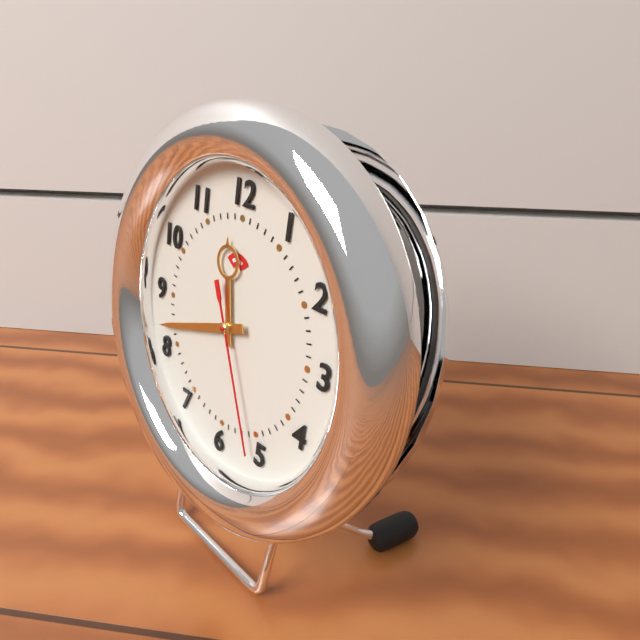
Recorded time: **11:42:26**
